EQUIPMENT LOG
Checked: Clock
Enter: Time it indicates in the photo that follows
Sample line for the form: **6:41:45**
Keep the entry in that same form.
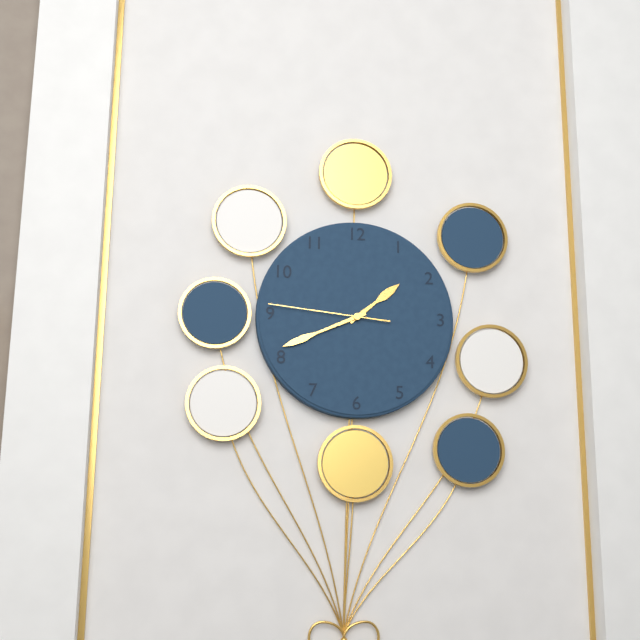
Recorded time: **1:41:46**
